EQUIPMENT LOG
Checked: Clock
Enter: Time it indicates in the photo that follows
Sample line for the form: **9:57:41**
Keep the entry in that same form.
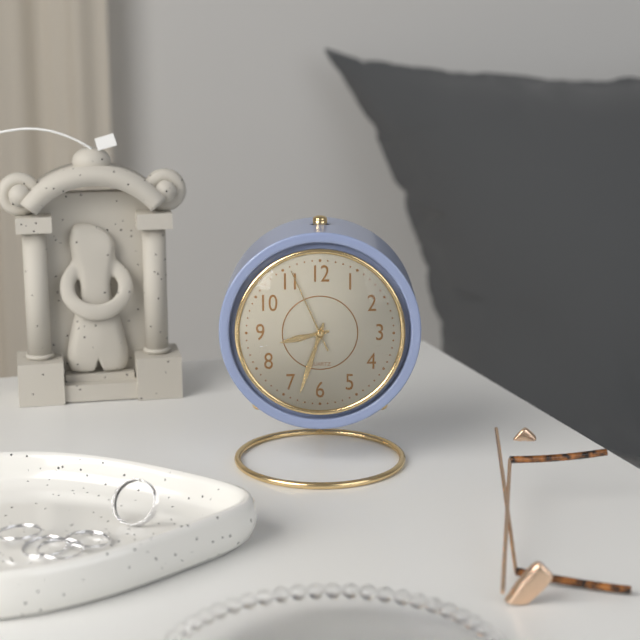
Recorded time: **8:33:56**
